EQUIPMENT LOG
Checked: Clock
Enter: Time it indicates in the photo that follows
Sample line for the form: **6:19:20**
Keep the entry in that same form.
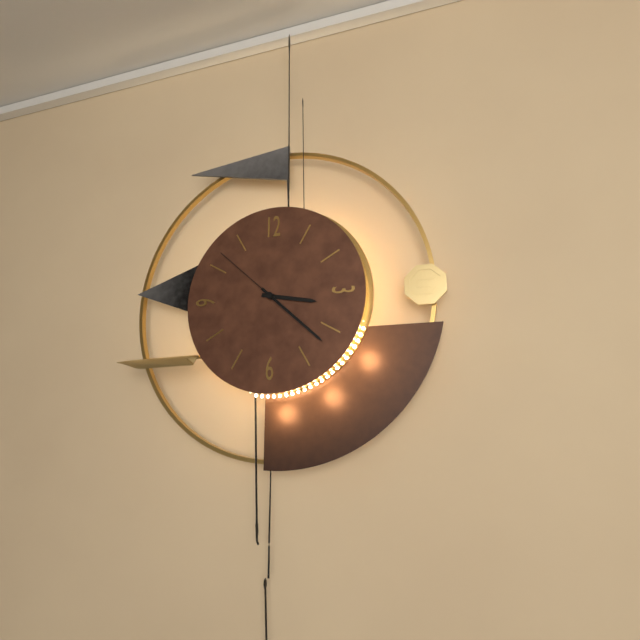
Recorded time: **3:22:52**
